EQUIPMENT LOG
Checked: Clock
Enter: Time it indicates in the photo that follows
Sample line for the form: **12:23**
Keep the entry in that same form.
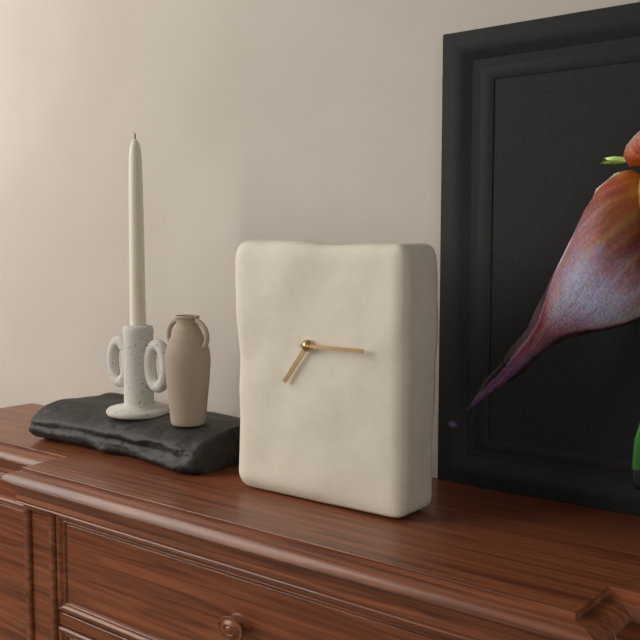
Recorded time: **7:15**
